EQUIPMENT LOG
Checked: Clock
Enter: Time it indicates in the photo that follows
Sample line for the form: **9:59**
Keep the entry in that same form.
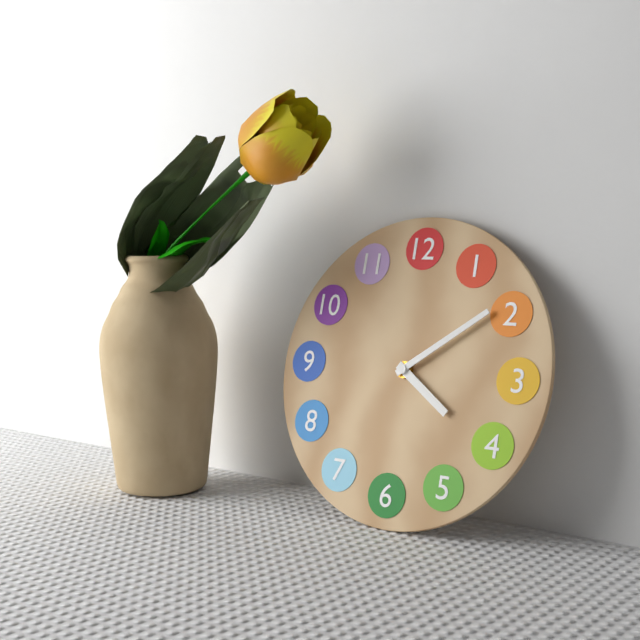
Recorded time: **4:09**
